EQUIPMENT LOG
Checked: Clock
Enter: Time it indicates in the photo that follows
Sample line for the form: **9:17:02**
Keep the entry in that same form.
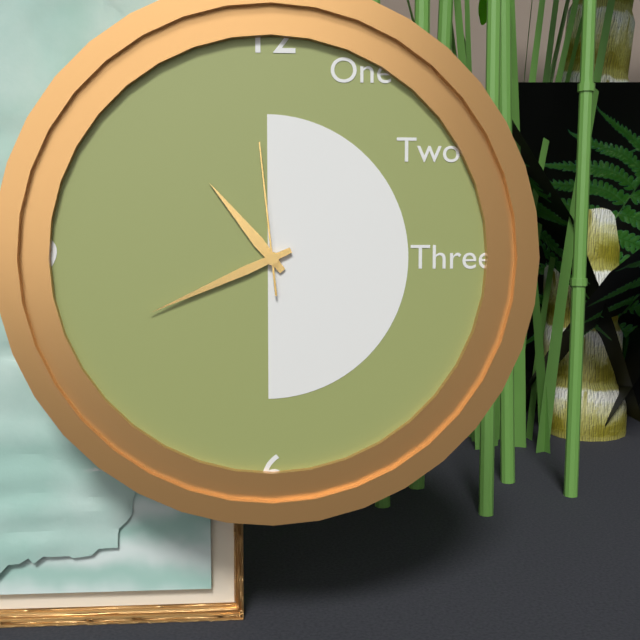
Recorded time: **10:41:59**
